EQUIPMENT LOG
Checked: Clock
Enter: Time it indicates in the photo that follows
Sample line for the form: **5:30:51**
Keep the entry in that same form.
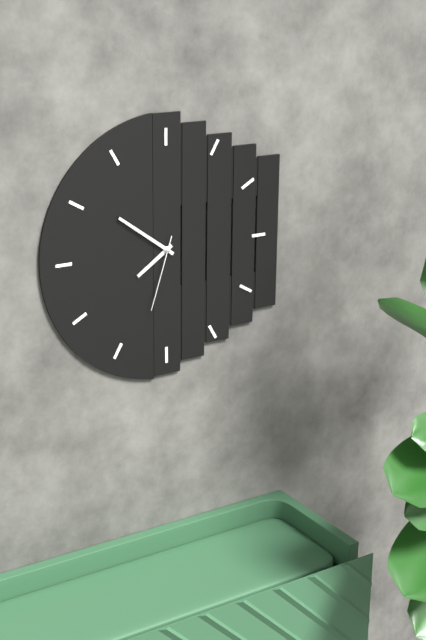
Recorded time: **7:51:33**
